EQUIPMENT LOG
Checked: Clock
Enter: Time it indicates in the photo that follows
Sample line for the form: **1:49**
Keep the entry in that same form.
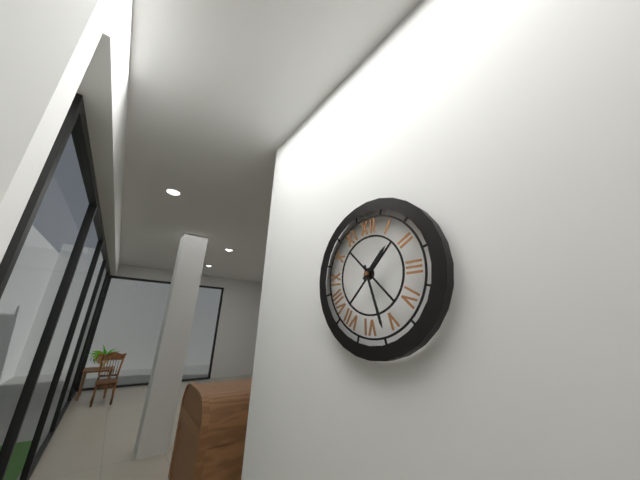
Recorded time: **1:27**
